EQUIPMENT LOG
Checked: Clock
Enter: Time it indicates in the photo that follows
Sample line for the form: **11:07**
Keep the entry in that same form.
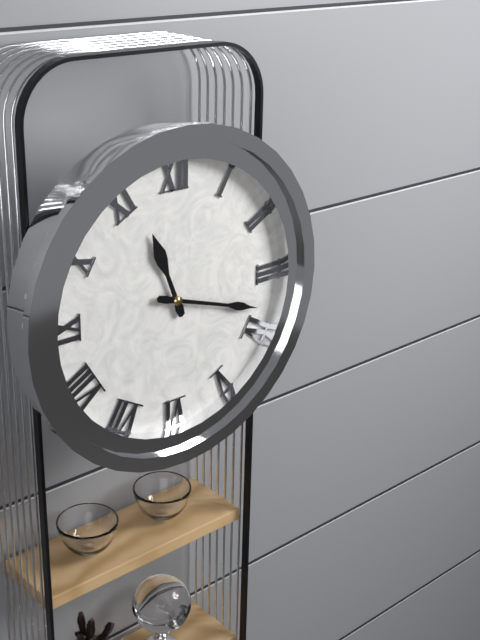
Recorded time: **11:18**
